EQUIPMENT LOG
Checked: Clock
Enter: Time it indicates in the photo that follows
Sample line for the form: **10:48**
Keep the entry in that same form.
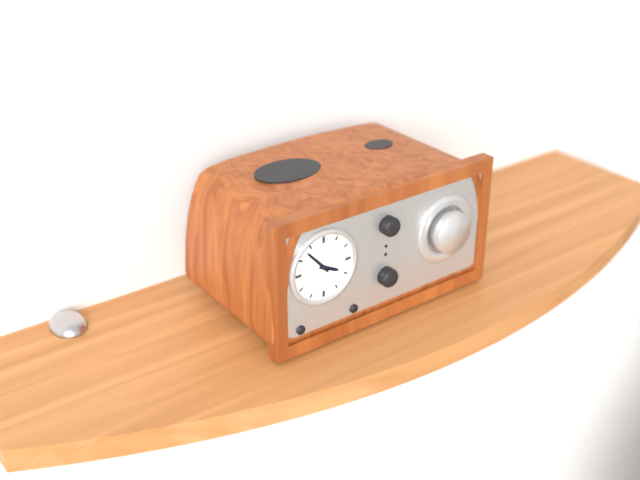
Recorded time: **3:53**
